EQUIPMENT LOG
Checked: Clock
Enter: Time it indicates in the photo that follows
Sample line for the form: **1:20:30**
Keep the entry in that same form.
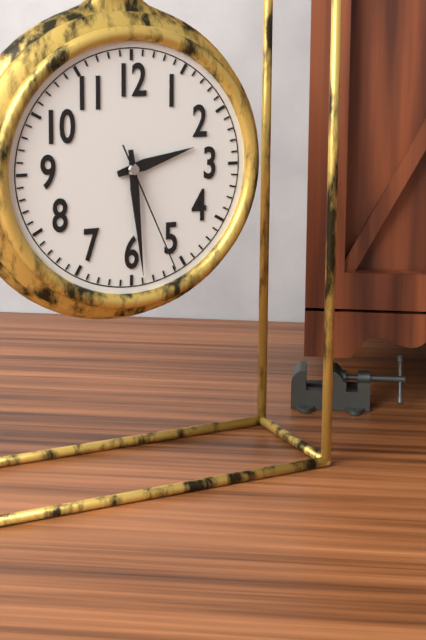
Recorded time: **2:29:26**
